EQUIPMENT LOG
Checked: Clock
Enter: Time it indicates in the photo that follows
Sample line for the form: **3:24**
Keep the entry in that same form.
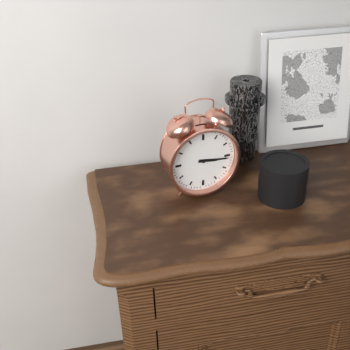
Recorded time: **3:16**
